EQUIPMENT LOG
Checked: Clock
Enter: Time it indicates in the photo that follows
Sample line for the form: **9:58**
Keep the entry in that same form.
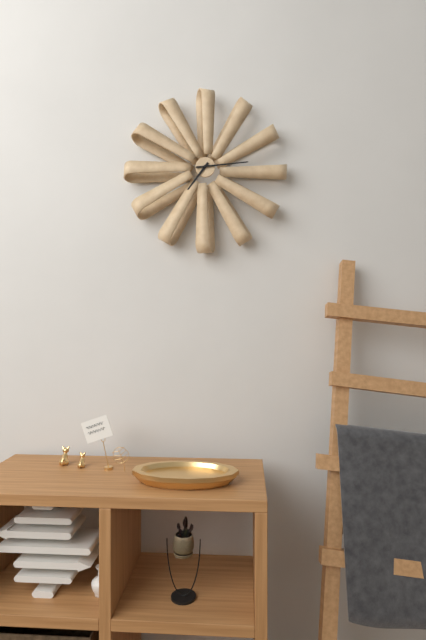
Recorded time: **7:14**
